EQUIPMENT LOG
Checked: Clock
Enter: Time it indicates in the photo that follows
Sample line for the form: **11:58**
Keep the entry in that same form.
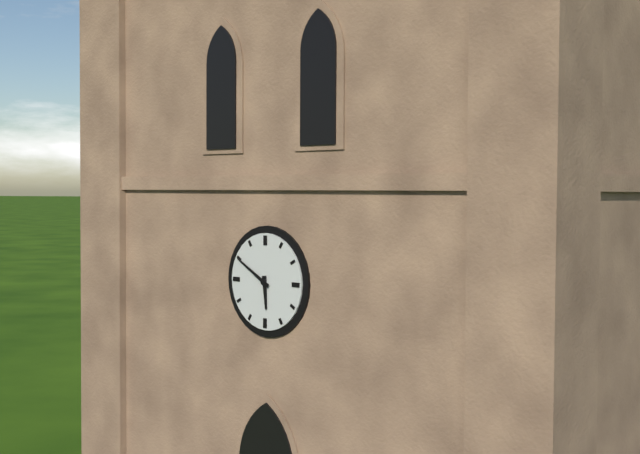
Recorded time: **5:50**
